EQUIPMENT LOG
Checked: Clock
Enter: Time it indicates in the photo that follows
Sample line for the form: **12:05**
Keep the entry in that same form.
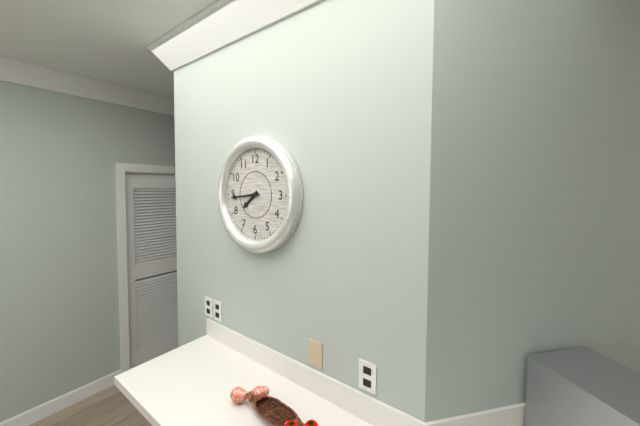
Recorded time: **7:44**
